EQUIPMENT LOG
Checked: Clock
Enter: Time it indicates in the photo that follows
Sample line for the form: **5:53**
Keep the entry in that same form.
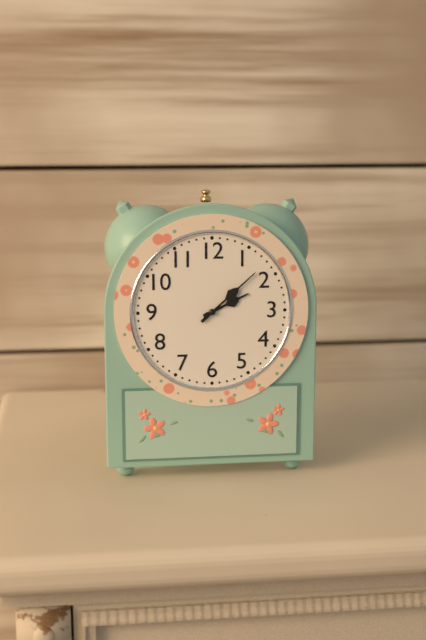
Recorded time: **2:08**
